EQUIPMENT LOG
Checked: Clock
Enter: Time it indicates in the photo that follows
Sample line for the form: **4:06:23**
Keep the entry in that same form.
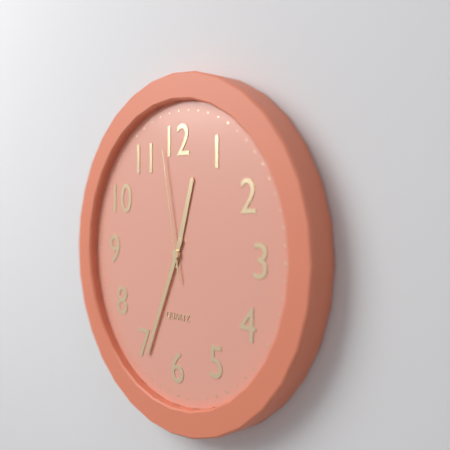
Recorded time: **12:34:58**
